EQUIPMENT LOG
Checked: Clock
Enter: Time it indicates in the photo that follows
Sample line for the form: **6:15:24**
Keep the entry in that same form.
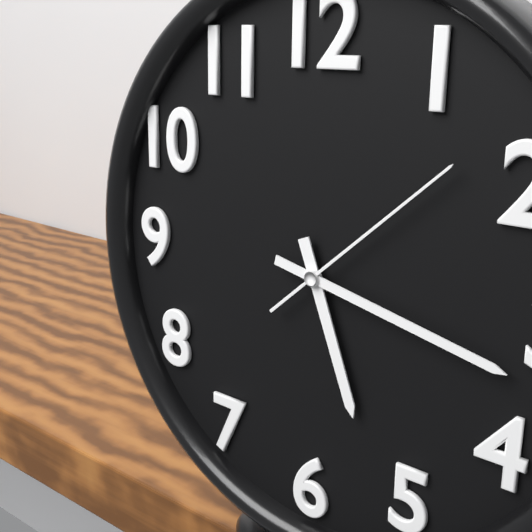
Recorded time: **5:17:08**
